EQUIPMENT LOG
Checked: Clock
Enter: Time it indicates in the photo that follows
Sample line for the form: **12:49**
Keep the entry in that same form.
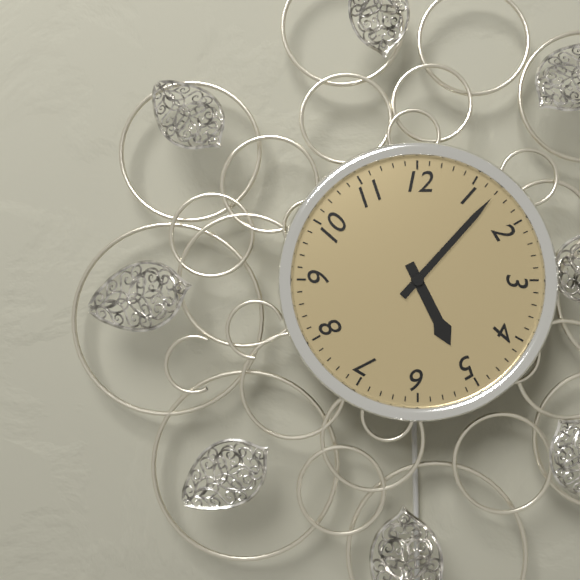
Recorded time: **5:07**
